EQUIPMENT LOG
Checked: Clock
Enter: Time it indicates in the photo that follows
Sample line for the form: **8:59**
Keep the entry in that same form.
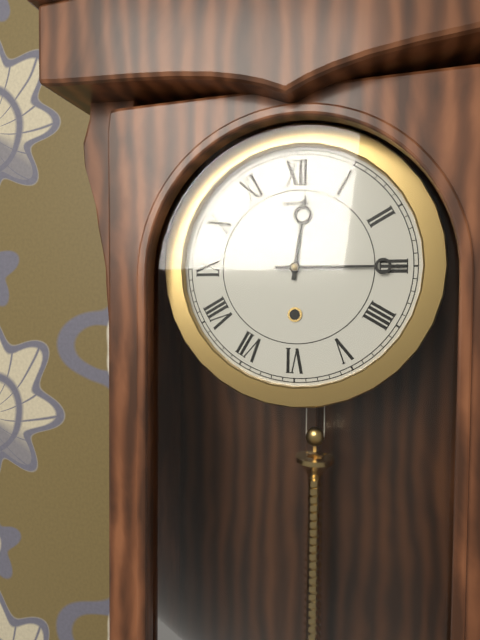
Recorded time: **12:15**
